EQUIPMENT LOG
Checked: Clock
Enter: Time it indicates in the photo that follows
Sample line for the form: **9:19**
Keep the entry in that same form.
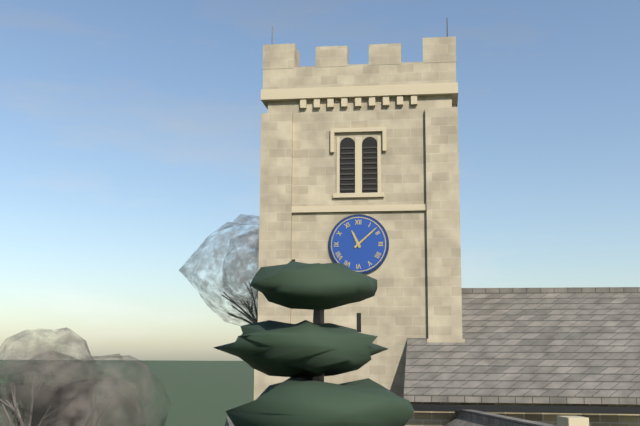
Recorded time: **11:08**
